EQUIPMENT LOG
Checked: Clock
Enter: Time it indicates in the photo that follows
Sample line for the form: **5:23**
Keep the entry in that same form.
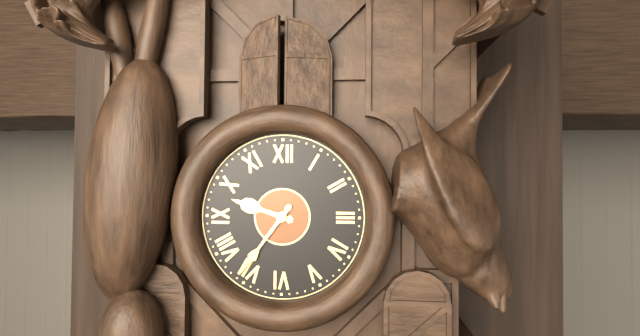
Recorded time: **9:36**
